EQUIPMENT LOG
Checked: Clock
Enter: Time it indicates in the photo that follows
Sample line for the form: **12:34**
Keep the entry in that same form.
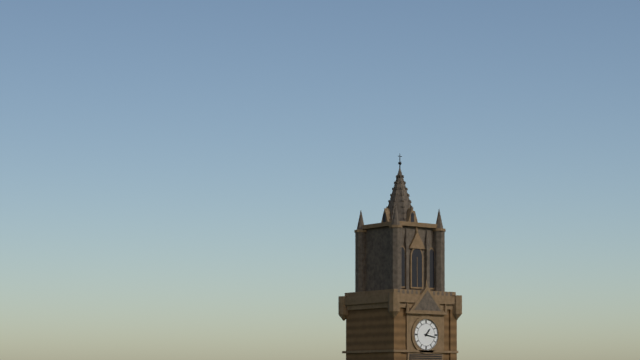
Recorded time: **1:17**
